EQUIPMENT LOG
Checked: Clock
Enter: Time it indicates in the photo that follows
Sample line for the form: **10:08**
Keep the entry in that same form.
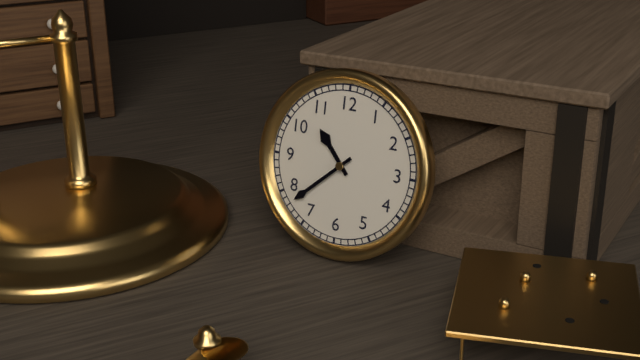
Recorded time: **10:38**
